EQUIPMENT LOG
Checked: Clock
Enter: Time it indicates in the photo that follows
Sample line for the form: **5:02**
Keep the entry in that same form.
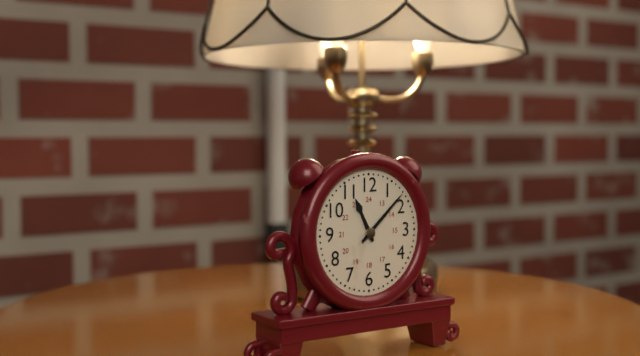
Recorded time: **11:08**
